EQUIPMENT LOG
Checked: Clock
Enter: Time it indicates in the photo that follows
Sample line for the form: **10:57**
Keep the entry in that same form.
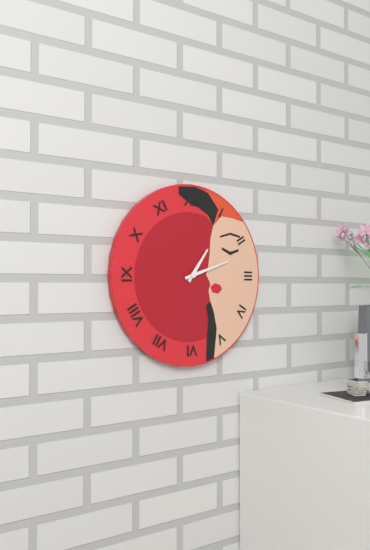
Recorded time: **1:12**
